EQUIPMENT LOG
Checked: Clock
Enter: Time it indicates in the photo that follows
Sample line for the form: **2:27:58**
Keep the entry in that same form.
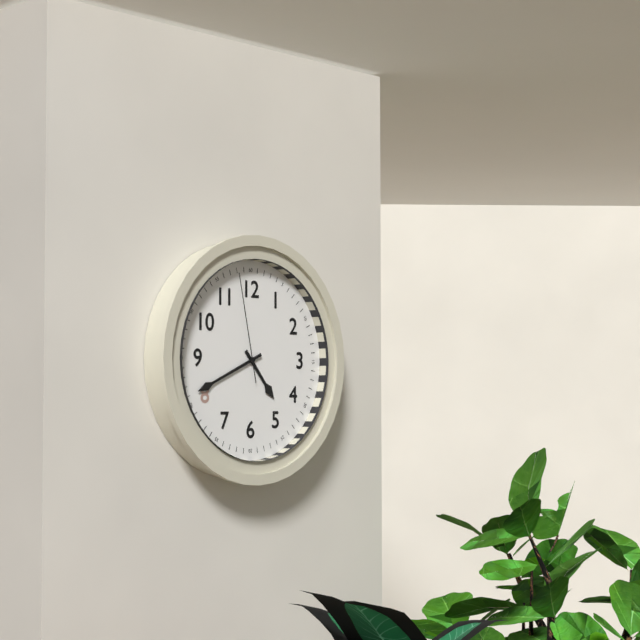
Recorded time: **4:41:58**
